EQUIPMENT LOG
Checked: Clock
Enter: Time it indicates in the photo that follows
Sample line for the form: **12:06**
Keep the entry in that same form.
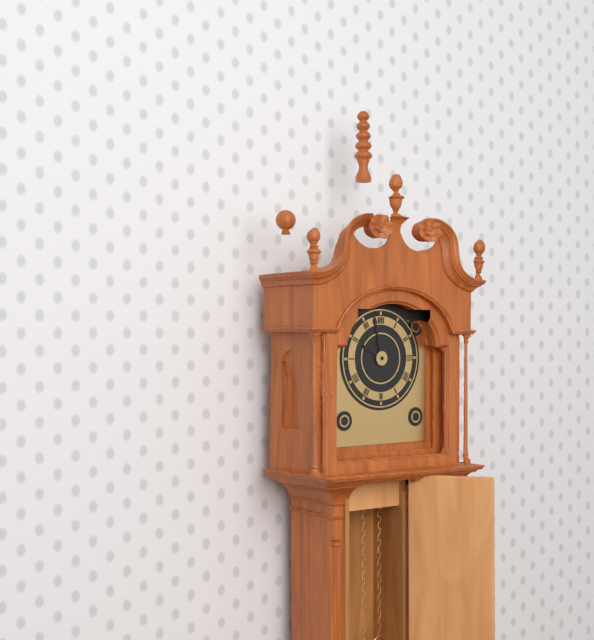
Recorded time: **9:58**
